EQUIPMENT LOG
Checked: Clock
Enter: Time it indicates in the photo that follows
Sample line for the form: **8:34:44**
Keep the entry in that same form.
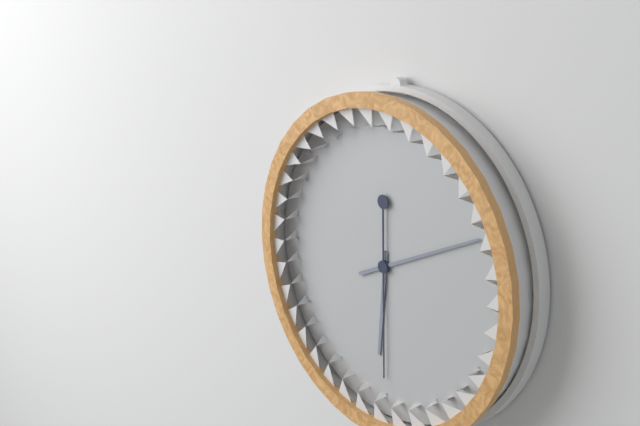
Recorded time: **6:11:30**
